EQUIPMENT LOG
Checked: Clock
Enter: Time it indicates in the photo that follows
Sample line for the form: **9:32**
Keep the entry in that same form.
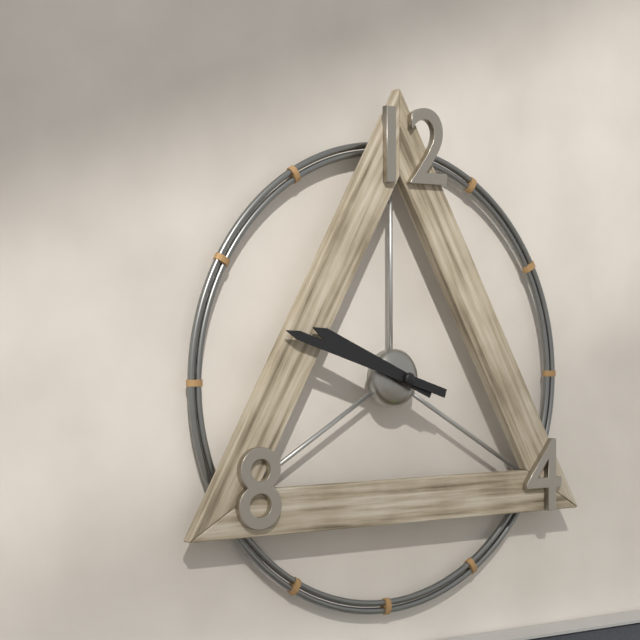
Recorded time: **9:48**
